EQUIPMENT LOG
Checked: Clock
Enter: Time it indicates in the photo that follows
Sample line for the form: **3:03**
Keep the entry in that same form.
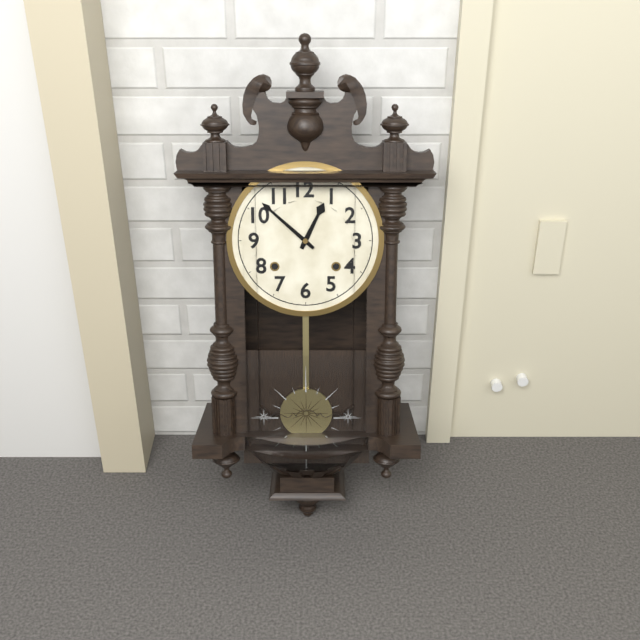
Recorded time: **12:52**
